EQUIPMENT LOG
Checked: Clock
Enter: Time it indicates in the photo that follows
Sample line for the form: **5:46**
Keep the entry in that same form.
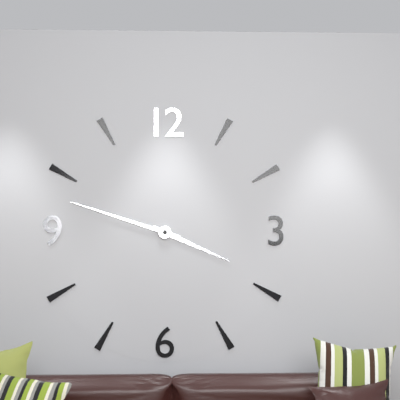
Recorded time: **3:48**
